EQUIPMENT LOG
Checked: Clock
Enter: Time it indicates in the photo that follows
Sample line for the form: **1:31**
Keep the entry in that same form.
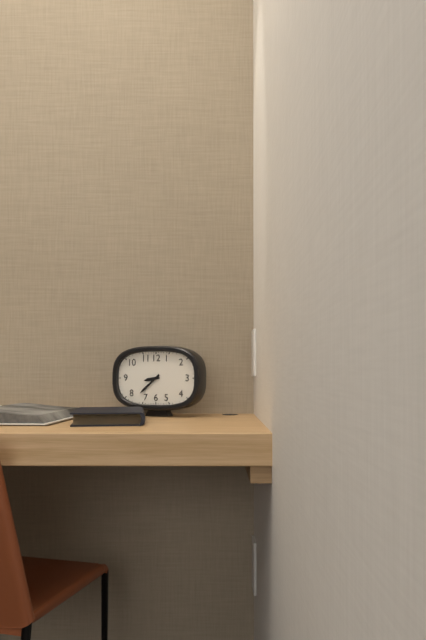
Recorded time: **8:38**
